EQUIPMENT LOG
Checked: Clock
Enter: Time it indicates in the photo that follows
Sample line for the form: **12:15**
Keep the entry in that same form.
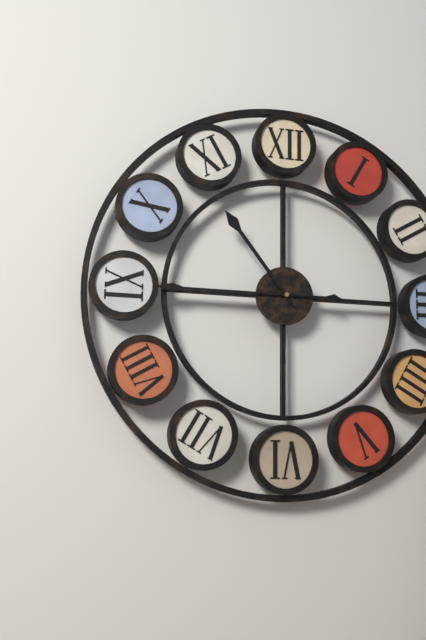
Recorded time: **10:45**
